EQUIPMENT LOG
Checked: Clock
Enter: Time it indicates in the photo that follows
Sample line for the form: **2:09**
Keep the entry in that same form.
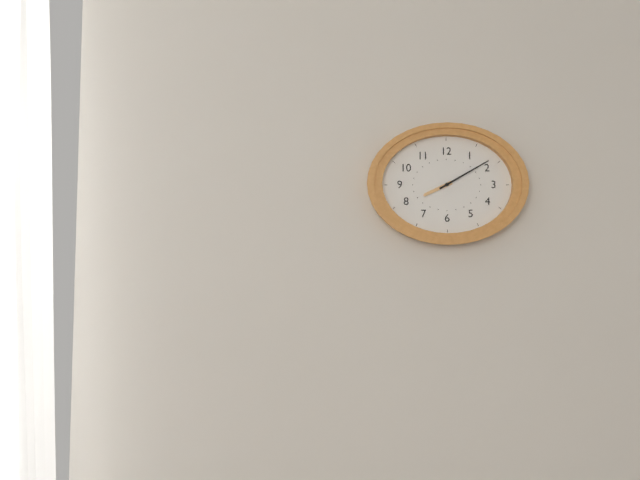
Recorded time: **8:10**
